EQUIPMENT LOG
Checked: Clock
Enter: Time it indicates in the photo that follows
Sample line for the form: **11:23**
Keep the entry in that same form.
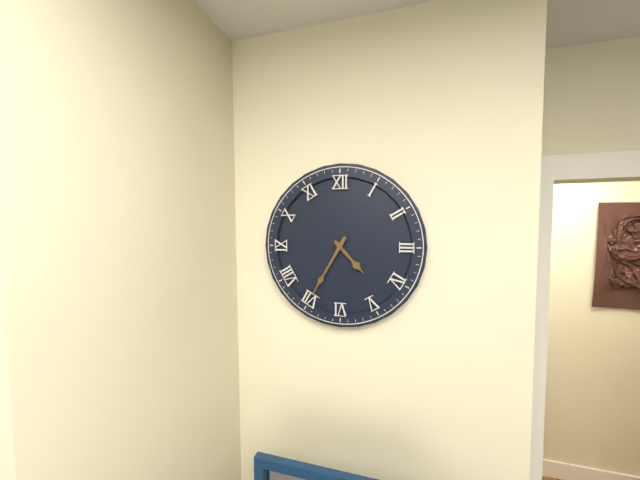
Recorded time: **4:35**
